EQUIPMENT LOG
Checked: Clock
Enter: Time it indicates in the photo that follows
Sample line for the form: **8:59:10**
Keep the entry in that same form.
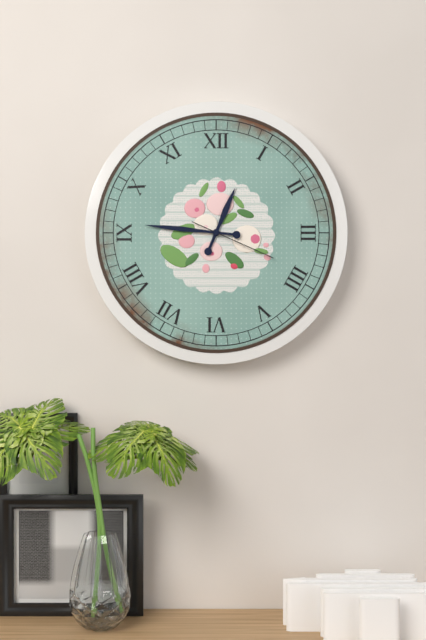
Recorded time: **12:46:19**
